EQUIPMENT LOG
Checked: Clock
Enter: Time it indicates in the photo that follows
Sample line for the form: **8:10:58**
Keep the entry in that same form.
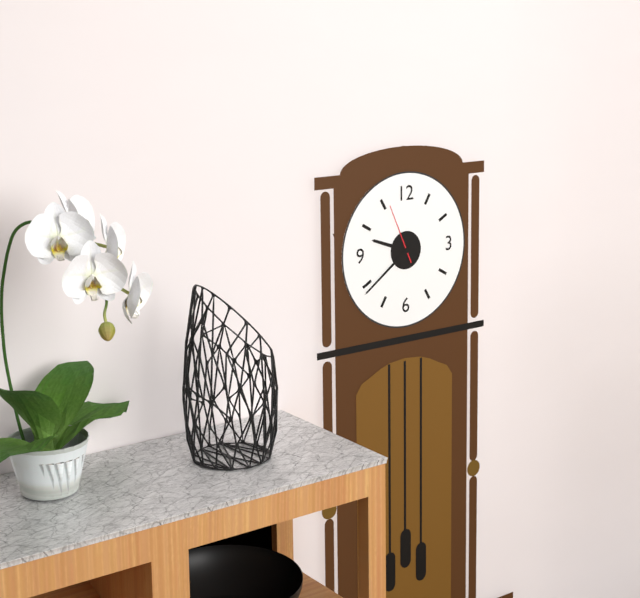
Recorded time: **9:39:56**
